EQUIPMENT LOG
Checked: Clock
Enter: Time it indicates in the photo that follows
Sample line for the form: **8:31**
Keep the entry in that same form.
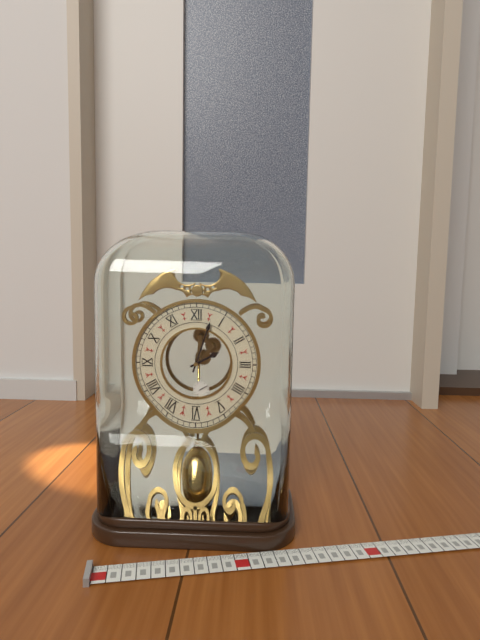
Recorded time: **2:03**
